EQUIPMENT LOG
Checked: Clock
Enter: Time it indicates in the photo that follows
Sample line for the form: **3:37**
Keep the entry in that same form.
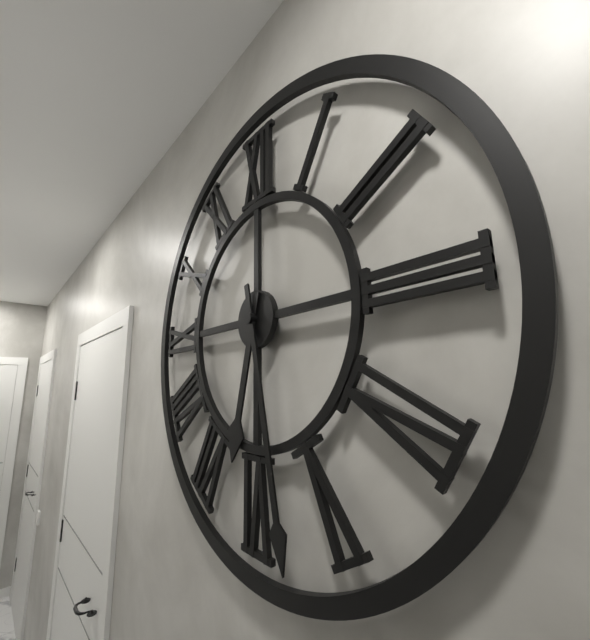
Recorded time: **6:28**
